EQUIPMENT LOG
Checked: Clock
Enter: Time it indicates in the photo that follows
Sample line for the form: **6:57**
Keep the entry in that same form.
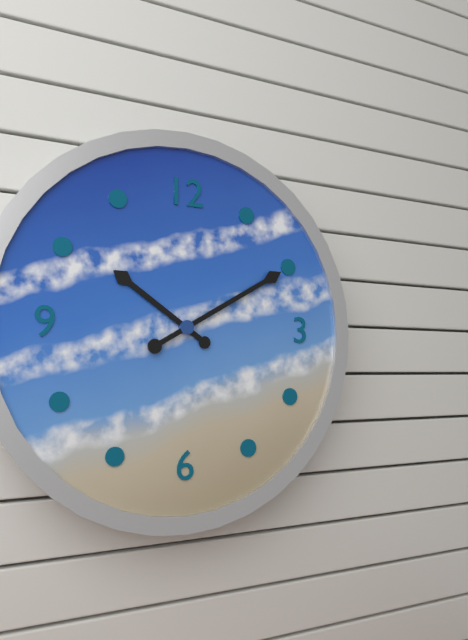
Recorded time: **10:10**
